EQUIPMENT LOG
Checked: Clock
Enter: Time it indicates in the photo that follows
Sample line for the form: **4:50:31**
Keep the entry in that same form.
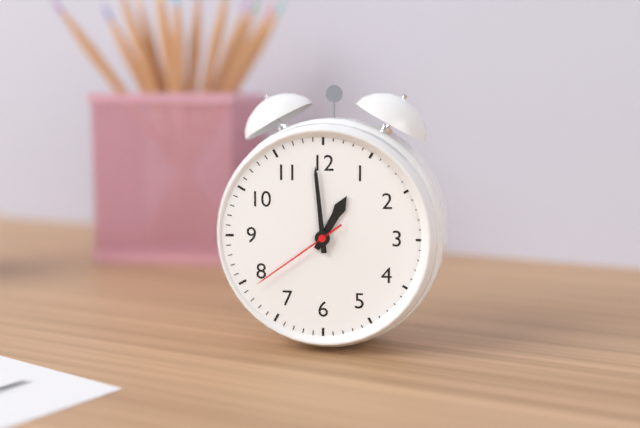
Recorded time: **12:59:39**
